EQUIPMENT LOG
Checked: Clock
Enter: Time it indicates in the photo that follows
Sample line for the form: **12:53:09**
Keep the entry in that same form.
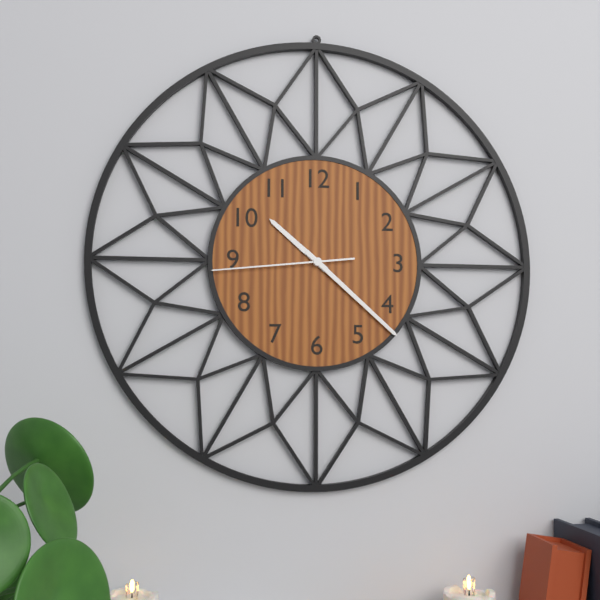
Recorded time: **10:22:44**
